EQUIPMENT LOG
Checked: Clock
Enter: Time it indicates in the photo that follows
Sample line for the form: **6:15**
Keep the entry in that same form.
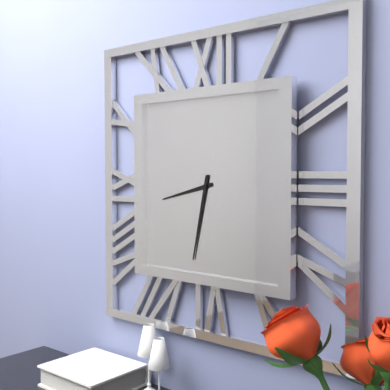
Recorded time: **8:32**
